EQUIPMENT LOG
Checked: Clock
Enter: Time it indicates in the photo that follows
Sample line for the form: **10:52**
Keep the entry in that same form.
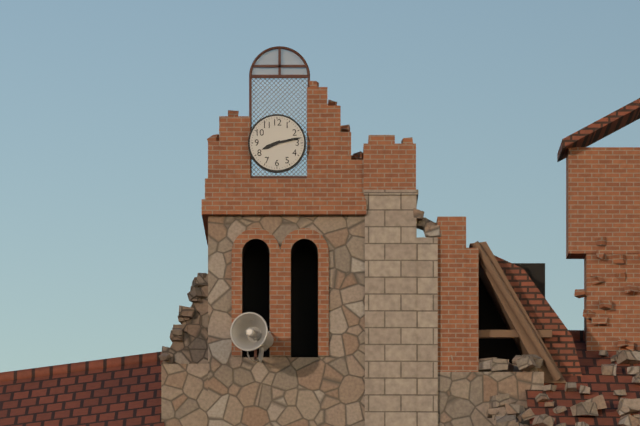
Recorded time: **8:13**
